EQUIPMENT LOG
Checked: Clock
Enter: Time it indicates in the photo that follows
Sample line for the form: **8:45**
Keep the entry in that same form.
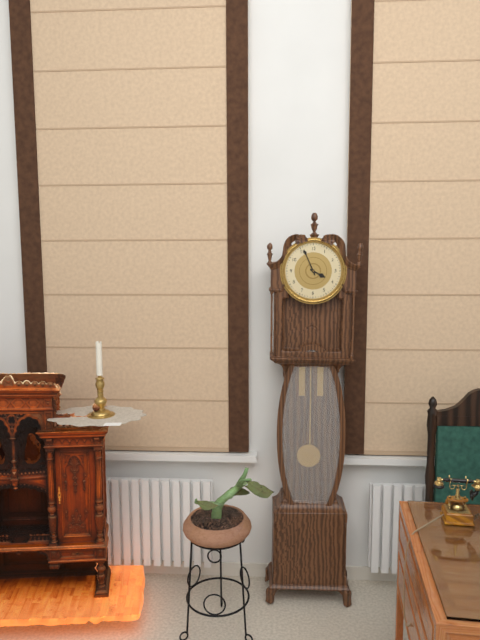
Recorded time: **3:56**
